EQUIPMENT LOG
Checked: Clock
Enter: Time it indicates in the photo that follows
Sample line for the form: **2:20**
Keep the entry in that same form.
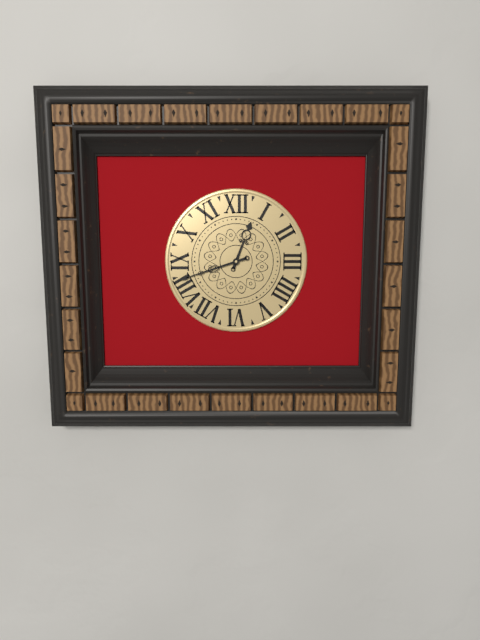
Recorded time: **12:42**
